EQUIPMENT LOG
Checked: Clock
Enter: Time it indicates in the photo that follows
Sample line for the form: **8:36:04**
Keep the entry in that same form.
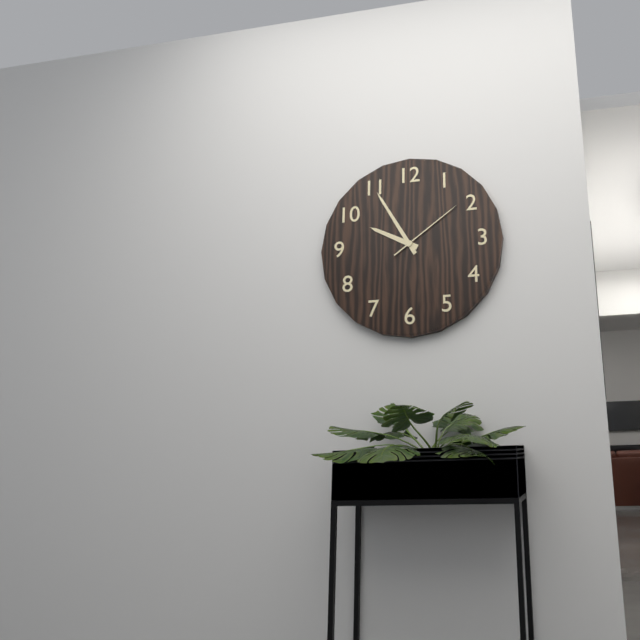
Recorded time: **9:55:09**
